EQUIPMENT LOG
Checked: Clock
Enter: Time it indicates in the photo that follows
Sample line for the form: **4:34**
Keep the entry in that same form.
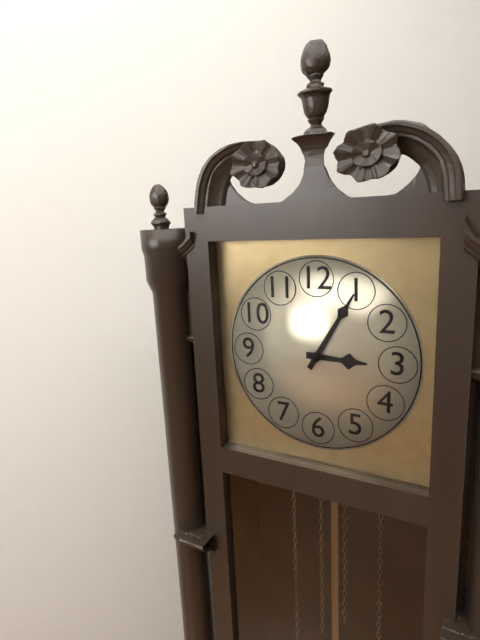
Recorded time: **3:05**
